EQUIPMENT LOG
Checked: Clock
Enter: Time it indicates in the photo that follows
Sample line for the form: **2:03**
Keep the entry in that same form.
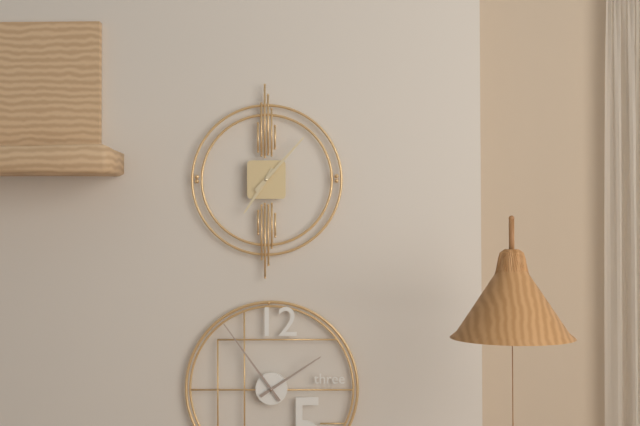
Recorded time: **7:07**
